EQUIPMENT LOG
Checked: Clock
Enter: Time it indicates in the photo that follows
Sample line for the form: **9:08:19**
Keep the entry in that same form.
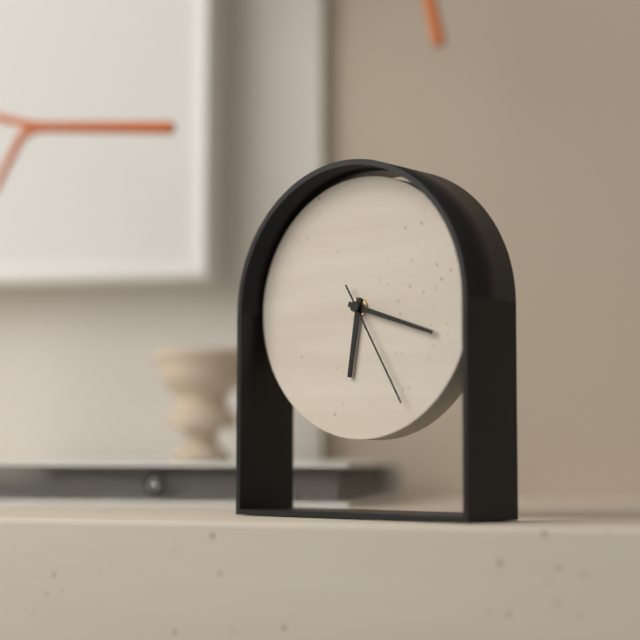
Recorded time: **6:18:25**
